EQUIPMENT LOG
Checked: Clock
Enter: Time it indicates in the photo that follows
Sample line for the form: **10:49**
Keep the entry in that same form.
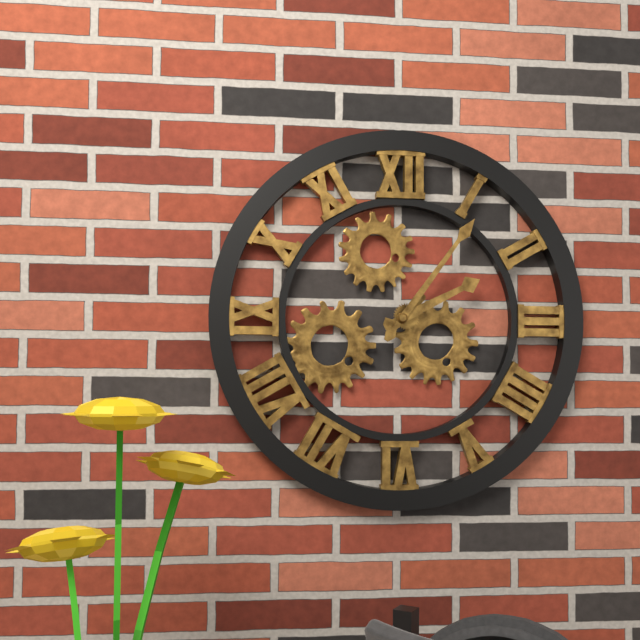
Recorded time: **2:06**
